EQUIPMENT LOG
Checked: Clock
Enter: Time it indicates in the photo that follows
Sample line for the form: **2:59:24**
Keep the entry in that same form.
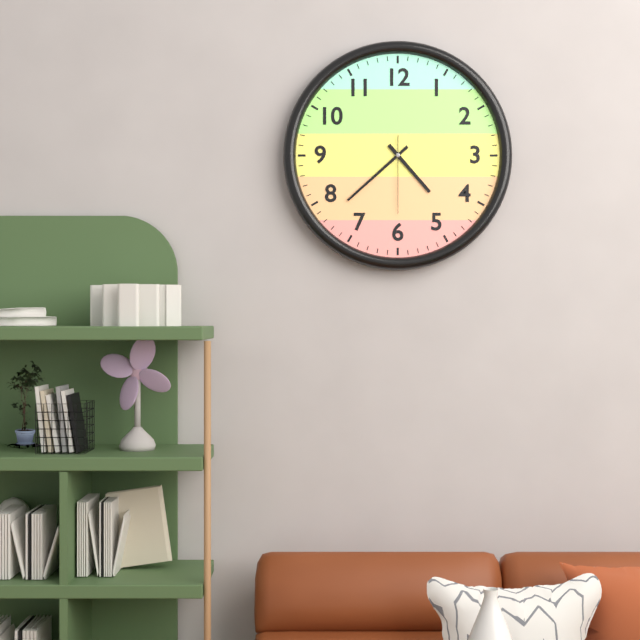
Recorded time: **4:38:30**
